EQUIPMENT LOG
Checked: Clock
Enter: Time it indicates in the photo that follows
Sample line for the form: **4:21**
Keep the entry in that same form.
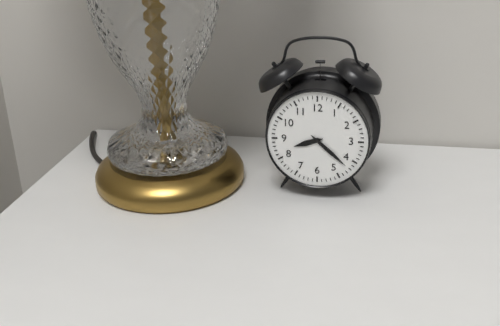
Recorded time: **8:22**
